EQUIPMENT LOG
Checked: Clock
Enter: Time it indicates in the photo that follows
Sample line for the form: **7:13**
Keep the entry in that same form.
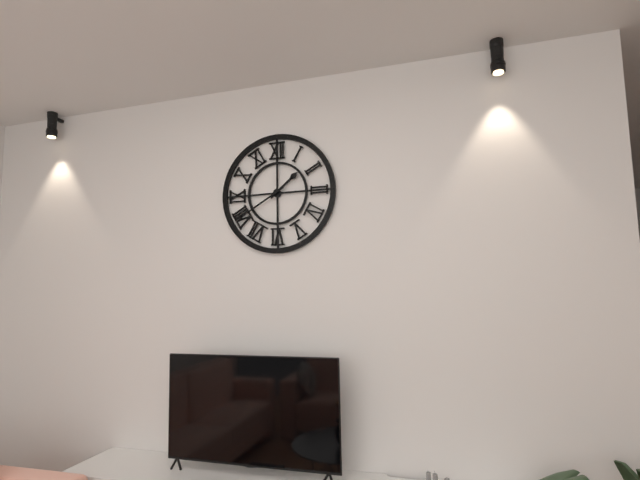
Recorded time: **1:40**
